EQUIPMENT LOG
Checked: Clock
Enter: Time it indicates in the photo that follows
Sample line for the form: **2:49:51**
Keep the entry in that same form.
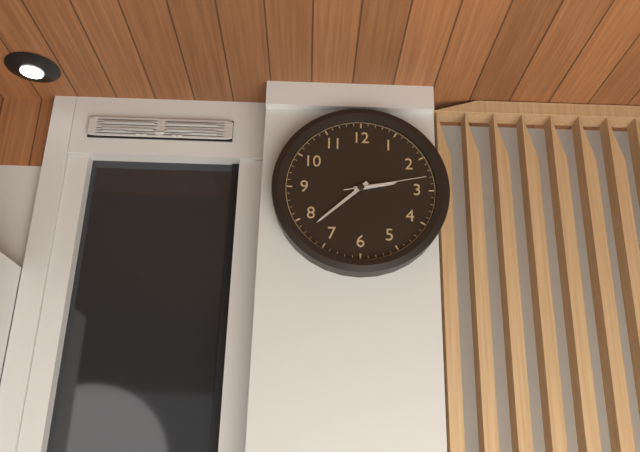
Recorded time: **2:38:13**
